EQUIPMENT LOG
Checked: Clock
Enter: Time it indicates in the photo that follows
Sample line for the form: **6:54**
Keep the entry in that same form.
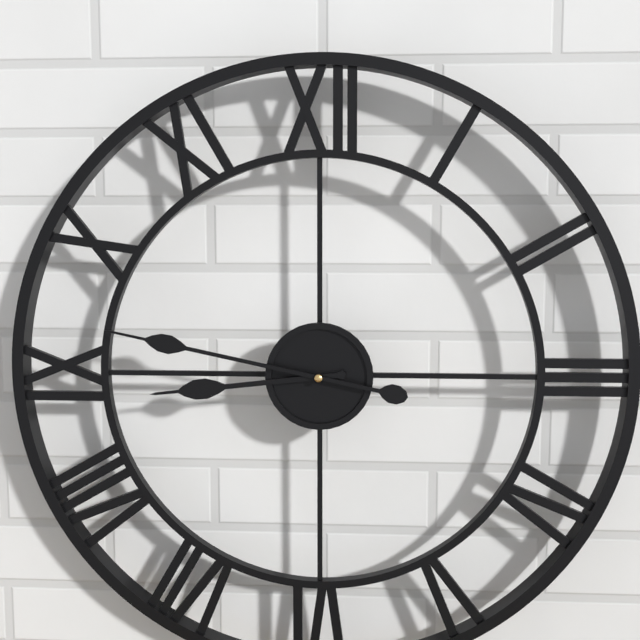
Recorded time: **8:47**
